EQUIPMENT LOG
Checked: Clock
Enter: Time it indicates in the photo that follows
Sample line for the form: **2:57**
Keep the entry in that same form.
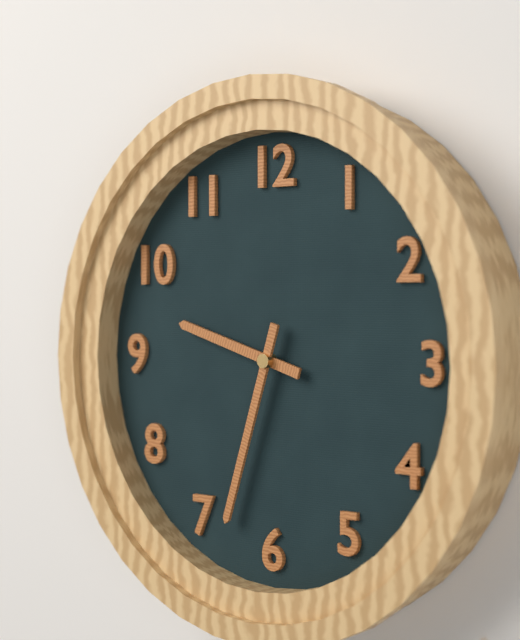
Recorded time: **9:33**
